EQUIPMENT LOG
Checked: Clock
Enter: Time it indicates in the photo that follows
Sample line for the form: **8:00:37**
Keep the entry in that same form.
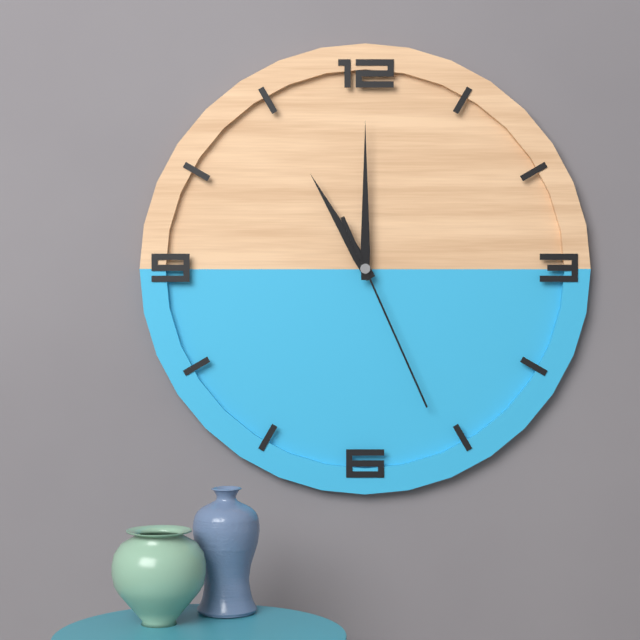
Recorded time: **11:00:26**
